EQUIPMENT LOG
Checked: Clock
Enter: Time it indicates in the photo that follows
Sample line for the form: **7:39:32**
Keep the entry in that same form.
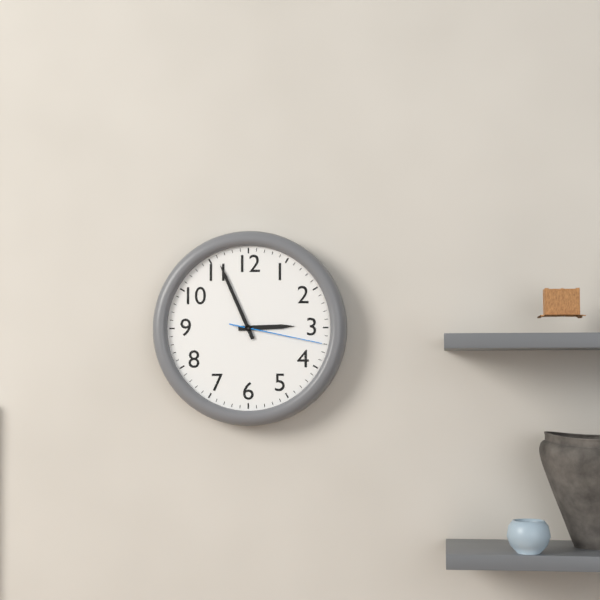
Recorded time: **2:56:17**
